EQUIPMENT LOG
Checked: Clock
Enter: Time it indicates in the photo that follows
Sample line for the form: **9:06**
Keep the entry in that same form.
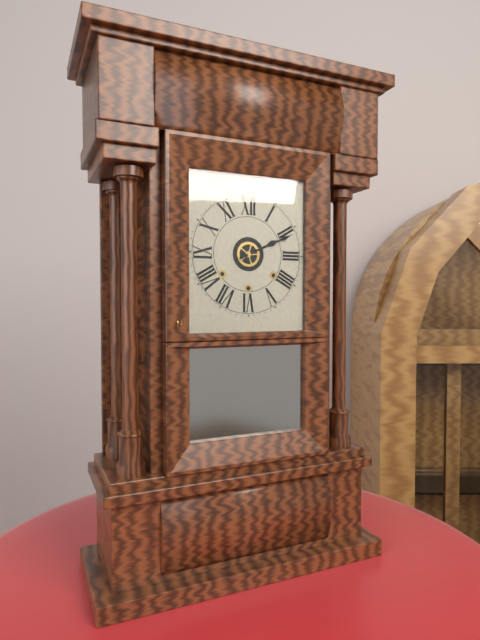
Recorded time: **2:11**
